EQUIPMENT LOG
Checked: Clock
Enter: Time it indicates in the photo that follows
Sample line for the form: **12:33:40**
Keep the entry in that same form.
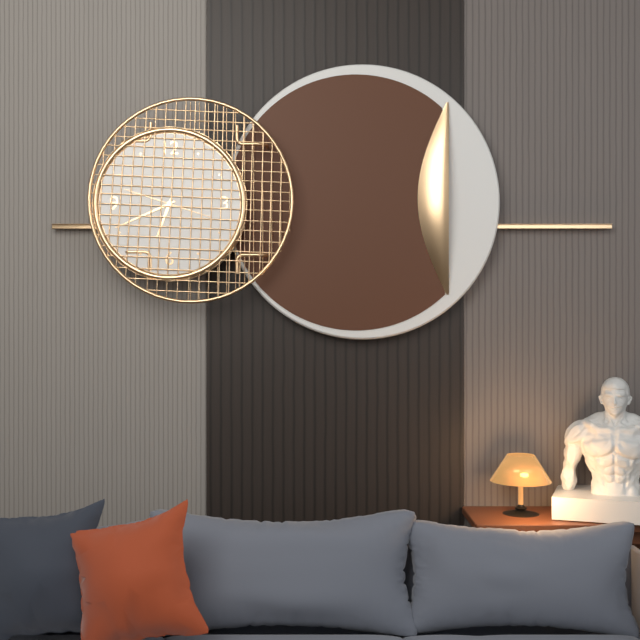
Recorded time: **6:41:48**
